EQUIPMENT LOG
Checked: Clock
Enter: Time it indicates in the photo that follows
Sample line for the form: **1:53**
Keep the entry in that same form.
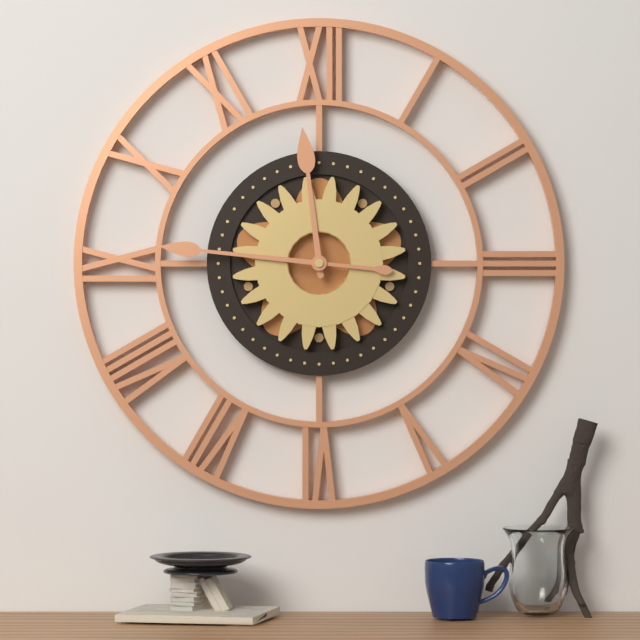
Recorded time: **11:46**
